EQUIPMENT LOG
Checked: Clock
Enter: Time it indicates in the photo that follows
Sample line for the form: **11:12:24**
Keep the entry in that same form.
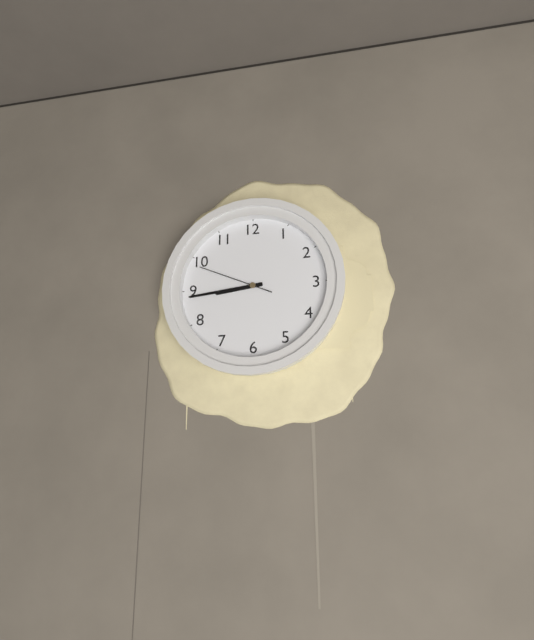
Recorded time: **8:44:49**
